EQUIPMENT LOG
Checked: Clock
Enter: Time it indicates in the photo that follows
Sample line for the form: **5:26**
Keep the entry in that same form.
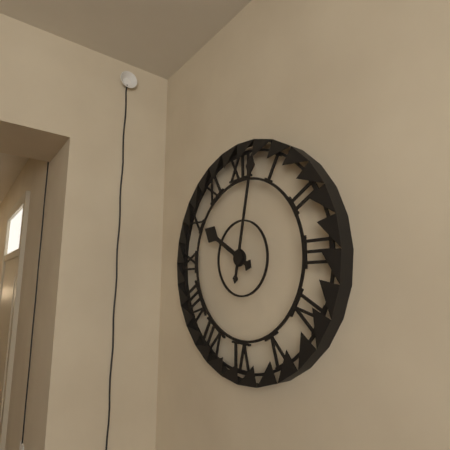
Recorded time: **10:02**
